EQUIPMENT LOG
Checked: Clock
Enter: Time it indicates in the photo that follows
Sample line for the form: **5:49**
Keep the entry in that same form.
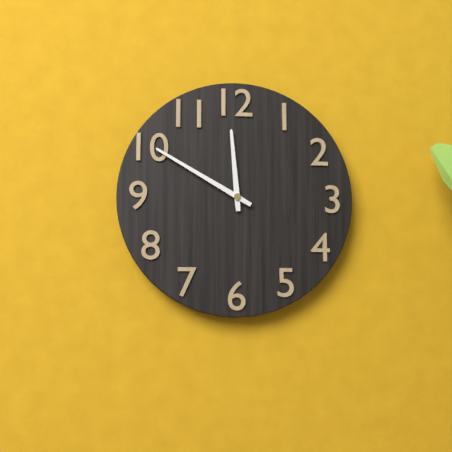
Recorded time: **11:50**
